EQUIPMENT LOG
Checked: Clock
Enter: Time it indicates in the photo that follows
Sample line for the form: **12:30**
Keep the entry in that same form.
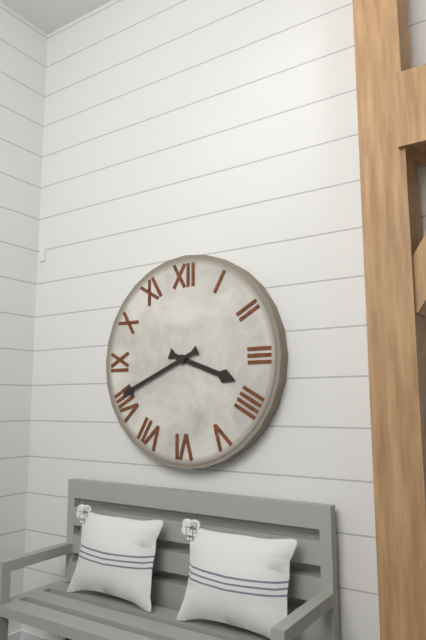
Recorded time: **3:41**
